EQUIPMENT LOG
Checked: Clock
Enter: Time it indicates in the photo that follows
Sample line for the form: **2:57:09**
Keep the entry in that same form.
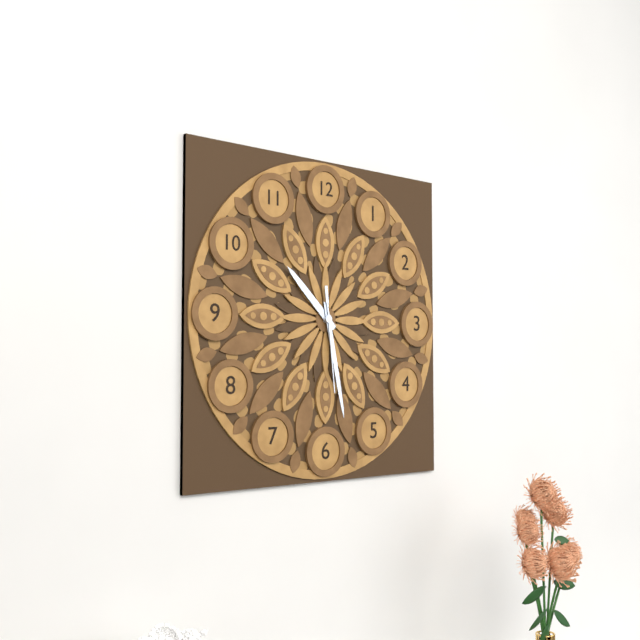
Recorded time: **10:28:29**
